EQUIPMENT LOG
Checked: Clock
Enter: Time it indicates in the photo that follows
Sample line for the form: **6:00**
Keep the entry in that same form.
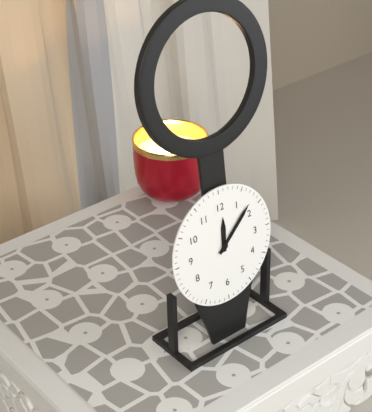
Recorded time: **12:08**
